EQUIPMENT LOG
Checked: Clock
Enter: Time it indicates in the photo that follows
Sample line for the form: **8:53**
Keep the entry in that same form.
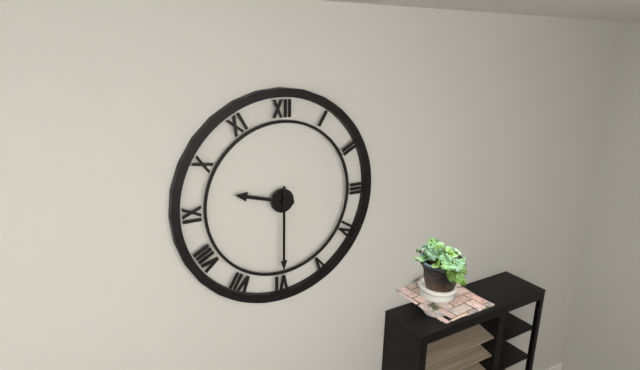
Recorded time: **9:30**
